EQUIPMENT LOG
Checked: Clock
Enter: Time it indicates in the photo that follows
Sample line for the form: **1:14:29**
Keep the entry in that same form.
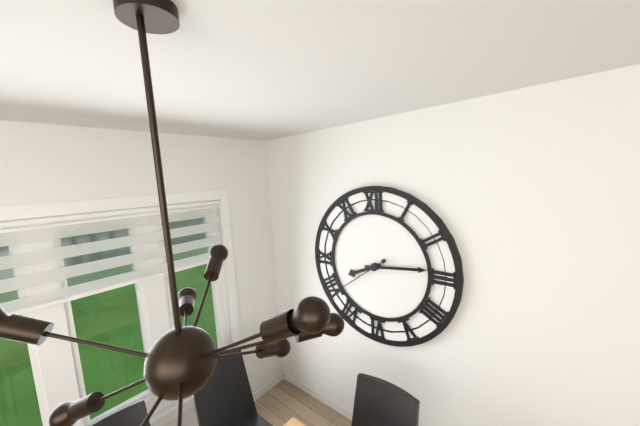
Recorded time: **8:14:39**
